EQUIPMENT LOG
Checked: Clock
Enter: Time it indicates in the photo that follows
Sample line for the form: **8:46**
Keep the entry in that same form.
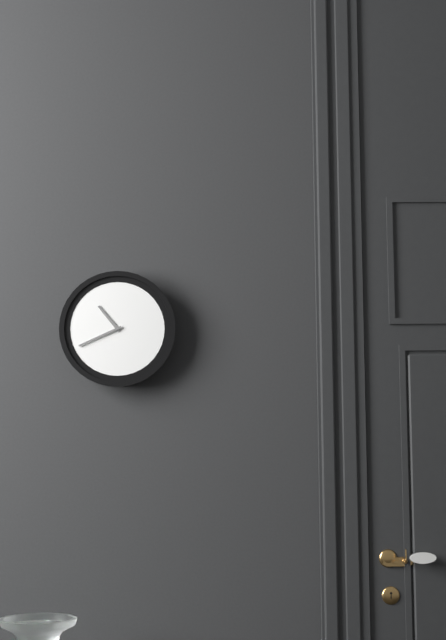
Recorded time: **10:41**
